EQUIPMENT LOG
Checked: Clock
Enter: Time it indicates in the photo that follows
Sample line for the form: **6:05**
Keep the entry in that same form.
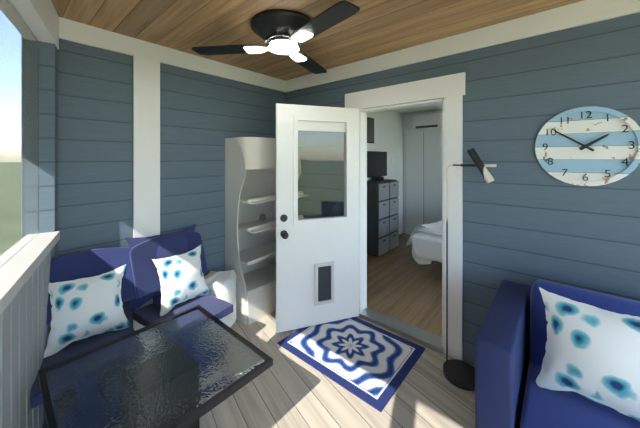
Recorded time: **1:51**
